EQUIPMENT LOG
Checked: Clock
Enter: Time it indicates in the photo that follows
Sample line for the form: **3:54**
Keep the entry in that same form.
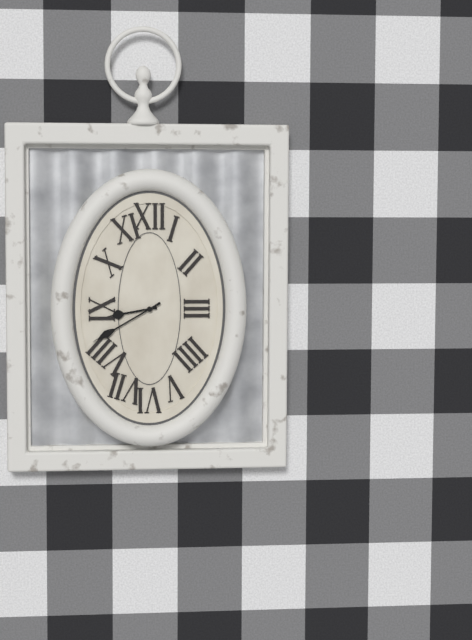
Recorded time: **8:40**
